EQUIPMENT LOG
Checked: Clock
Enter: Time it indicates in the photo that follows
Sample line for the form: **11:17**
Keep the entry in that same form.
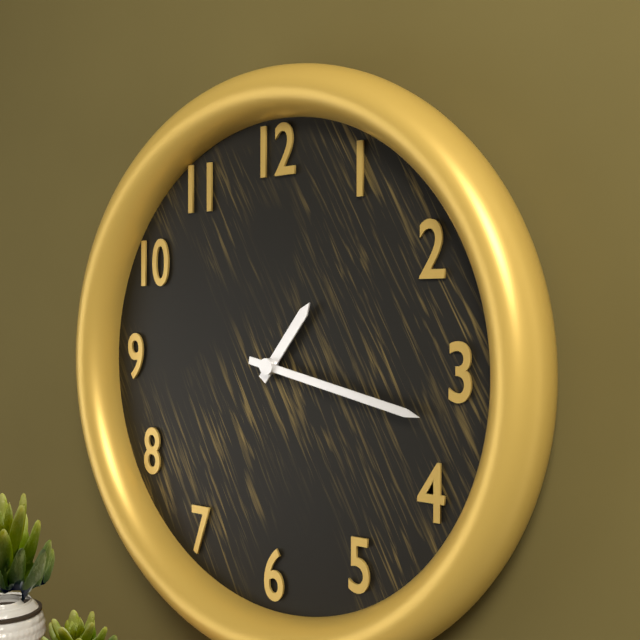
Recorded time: **1:17**
